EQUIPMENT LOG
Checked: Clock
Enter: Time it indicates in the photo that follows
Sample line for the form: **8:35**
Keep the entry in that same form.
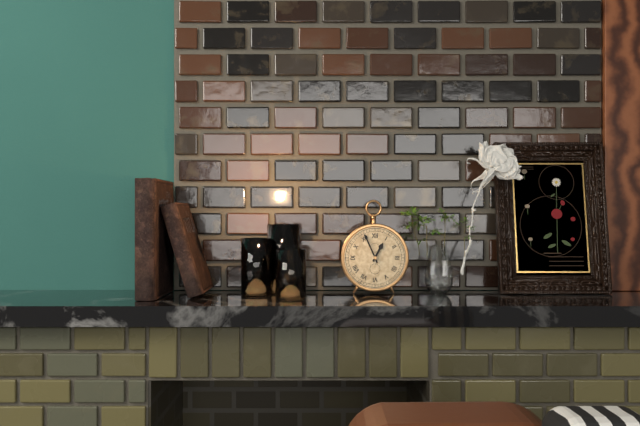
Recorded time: **12:56**
